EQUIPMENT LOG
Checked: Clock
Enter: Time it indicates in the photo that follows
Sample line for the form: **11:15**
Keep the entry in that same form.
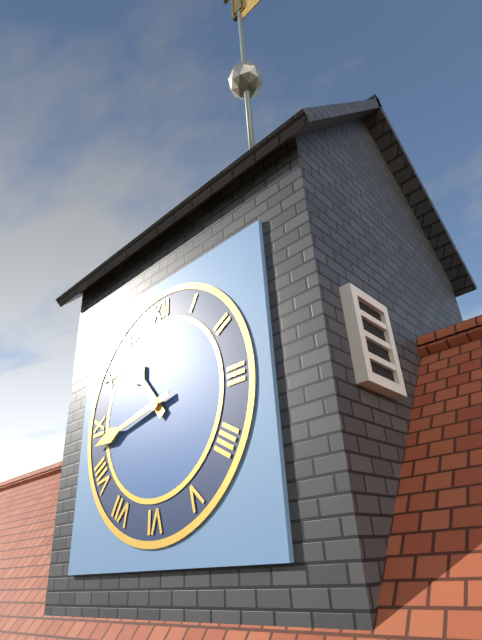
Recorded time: **10:43**
